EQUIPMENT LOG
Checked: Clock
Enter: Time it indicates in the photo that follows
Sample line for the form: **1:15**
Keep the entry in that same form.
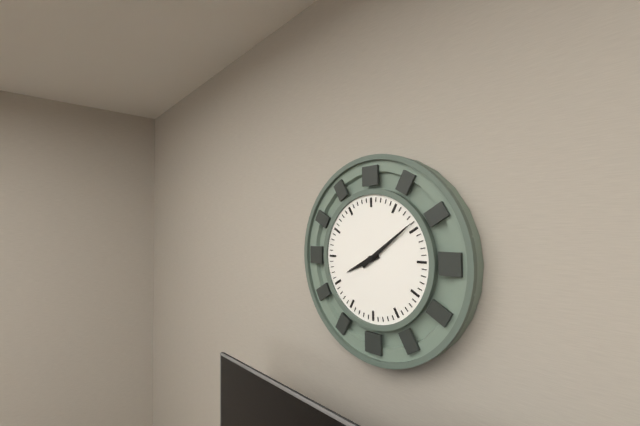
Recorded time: **8:09**
